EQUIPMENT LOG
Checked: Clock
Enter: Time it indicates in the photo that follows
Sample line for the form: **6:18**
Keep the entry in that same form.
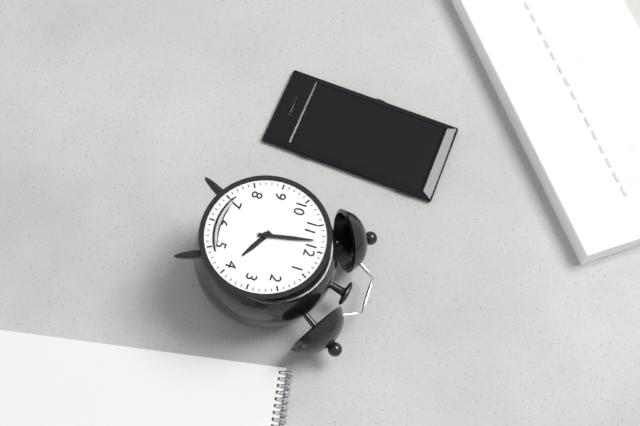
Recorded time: **3:58**
